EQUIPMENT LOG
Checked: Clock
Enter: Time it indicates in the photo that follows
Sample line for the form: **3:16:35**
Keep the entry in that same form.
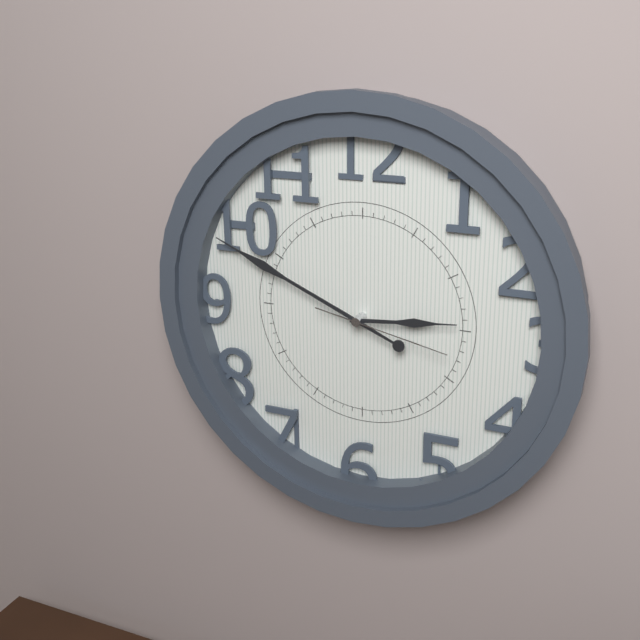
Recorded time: **2:49:17**
